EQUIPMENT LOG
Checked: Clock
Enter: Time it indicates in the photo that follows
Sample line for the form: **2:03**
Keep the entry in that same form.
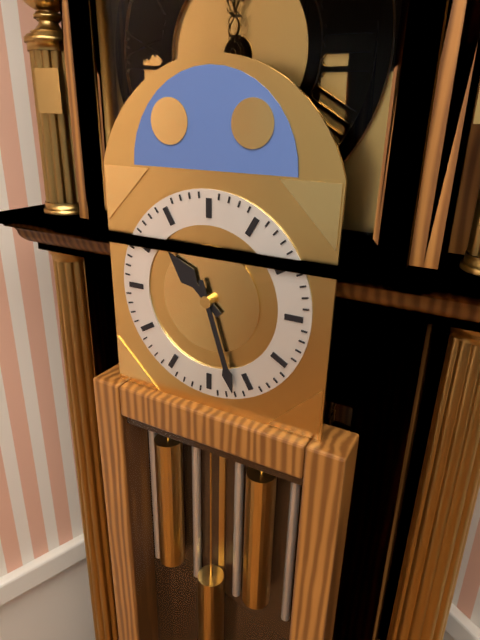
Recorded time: **10:27**
